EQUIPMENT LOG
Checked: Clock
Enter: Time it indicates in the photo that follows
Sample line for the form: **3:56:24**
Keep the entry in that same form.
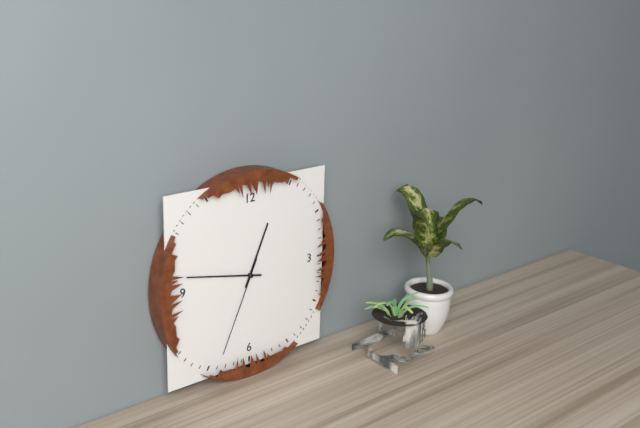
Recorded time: **12:47:34**
